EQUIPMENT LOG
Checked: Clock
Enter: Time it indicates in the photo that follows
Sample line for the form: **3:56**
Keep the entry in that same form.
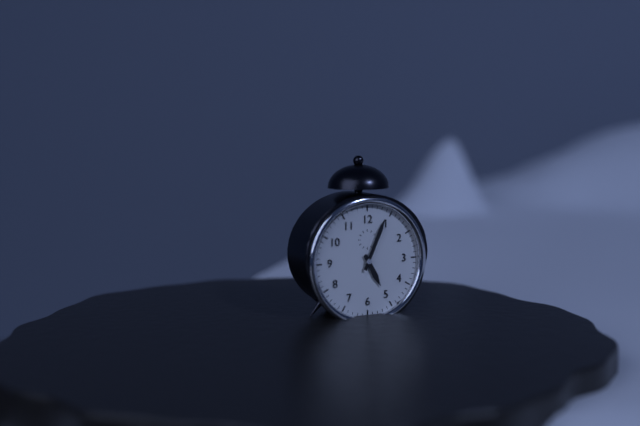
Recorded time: **5:04**
